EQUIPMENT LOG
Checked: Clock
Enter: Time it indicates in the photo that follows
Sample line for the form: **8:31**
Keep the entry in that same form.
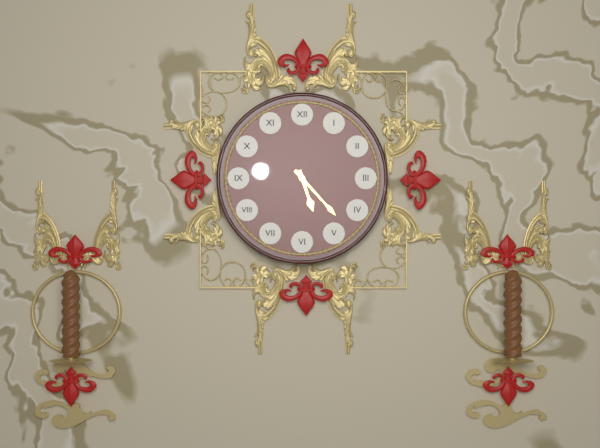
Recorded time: **5:23**
